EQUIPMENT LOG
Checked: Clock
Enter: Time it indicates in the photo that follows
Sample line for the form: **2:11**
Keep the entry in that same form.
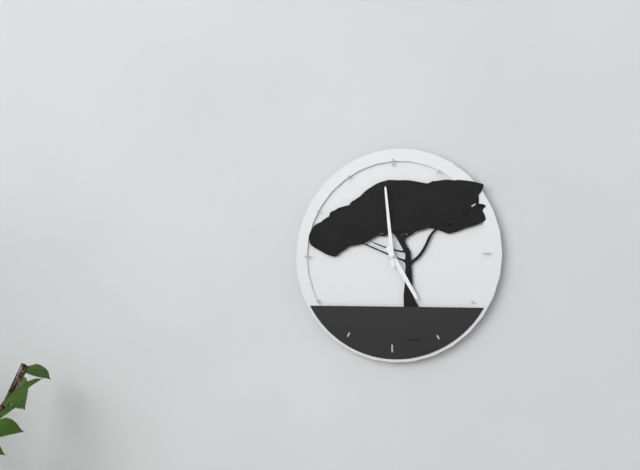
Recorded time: **4:59**
